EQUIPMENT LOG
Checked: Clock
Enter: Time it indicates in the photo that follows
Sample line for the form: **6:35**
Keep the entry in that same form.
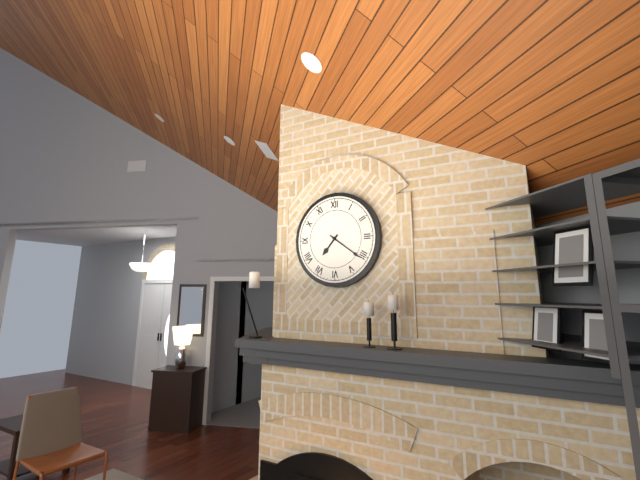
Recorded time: **7:21**
